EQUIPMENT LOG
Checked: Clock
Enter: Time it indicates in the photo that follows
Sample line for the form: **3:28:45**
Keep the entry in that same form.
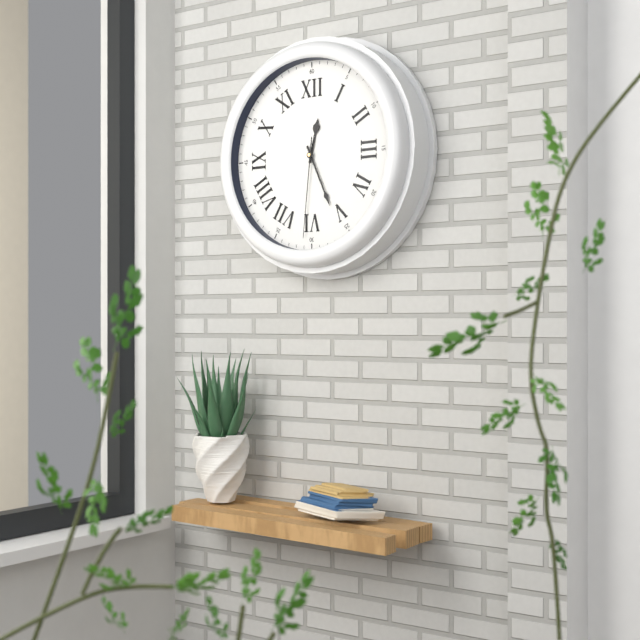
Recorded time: **12:26:31**
